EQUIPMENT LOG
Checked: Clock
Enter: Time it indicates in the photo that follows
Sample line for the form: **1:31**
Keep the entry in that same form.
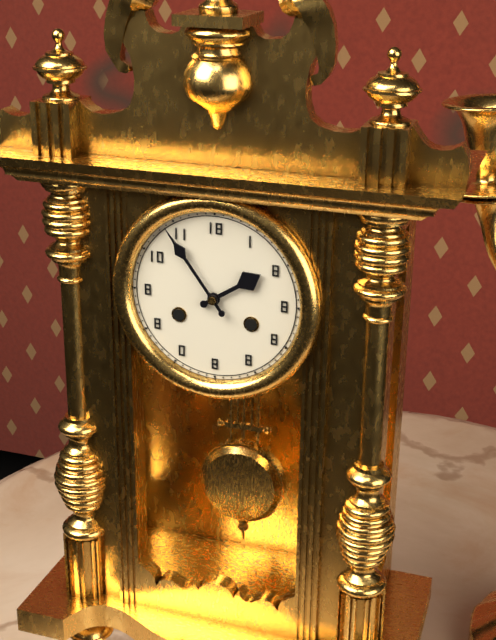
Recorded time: **1:54**
